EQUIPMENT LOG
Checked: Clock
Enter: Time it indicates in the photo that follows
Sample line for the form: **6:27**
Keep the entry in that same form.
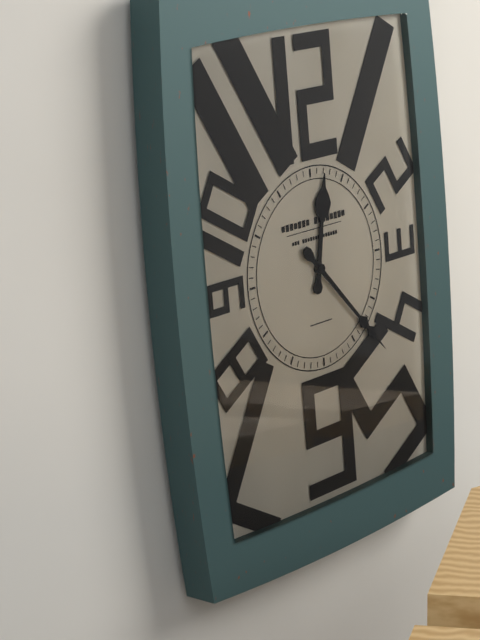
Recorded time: **12:23**
